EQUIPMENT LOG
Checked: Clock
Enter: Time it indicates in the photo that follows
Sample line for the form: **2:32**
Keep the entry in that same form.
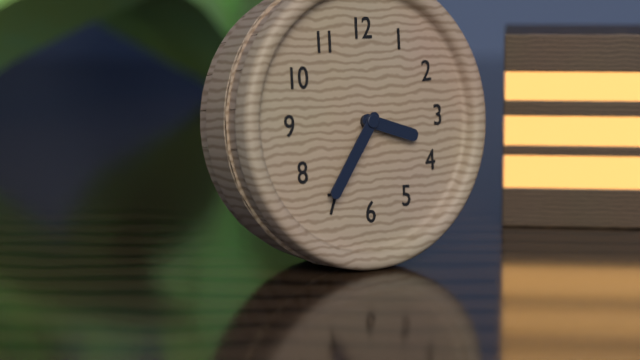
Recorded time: **3:36**
